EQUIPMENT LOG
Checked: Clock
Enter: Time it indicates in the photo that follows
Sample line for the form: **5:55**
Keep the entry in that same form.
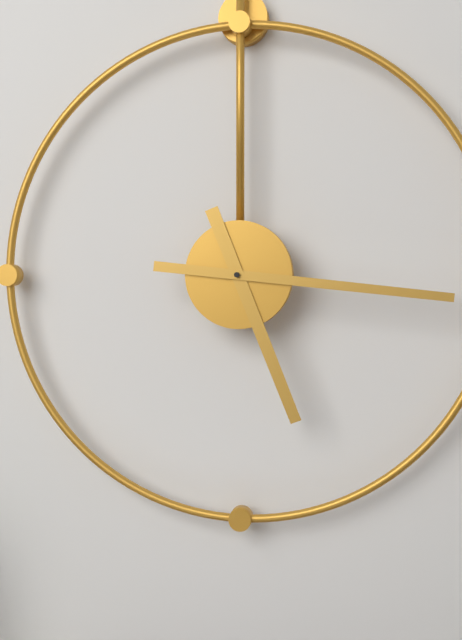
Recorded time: **5:16**
